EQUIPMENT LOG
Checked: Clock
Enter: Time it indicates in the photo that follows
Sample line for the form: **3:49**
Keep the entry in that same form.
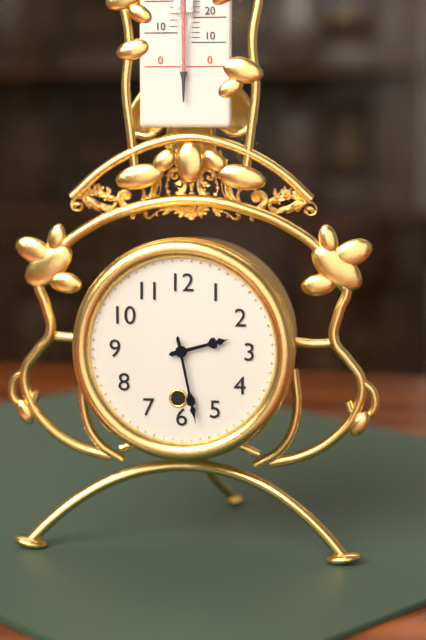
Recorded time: **2:28**
